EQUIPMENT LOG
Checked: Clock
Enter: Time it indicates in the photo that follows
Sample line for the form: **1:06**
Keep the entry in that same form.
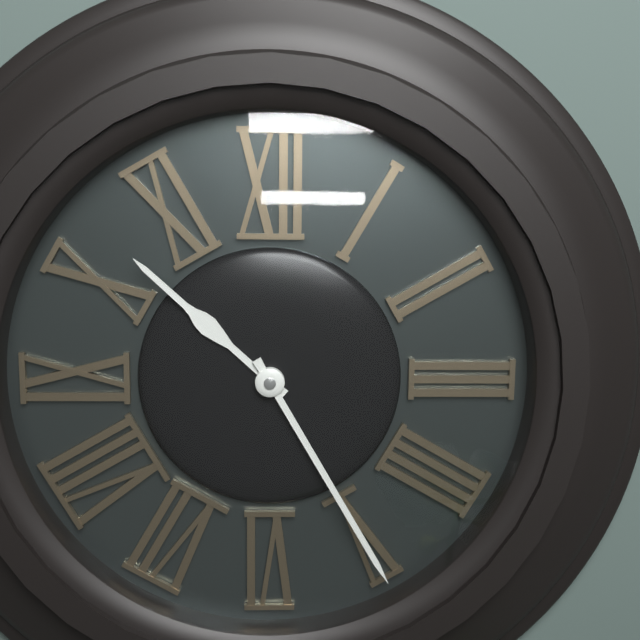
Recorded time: **10:25**
